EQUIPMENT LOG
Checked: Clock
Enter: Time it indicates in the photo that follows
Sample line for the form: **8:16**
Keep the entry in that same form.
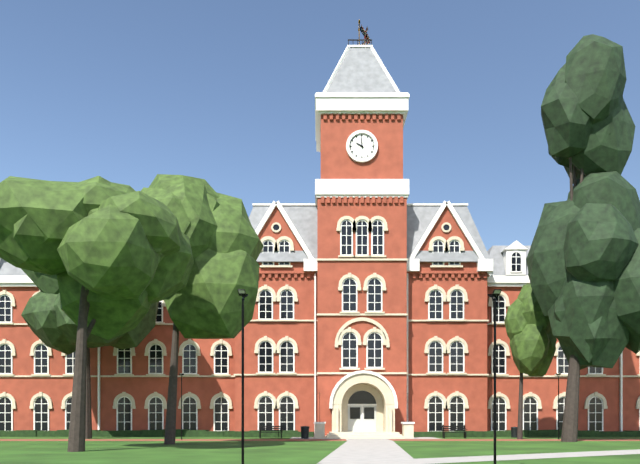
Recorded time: **9:59**
